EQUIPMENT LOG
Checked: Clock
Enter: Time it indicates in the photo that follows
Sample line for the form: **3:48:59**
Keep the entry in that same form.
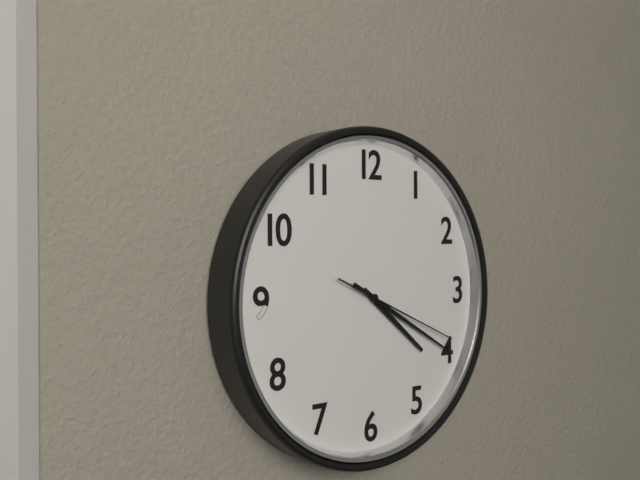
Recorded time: **4:20:19**
